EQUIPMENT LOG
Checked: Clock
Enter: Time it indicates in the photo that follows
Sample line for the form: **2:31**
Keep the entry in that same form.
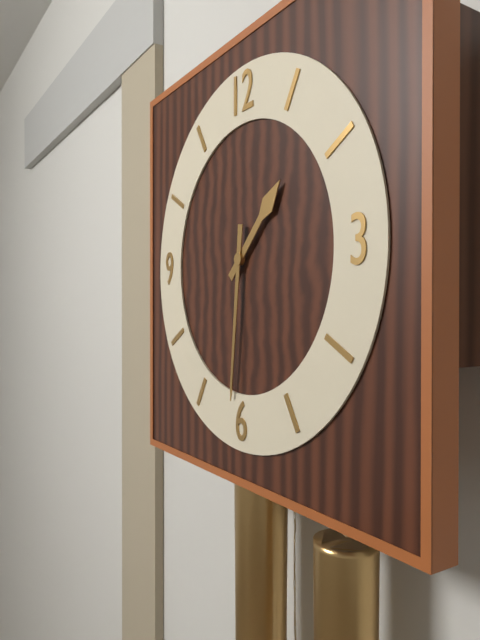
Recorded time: **1:31**
